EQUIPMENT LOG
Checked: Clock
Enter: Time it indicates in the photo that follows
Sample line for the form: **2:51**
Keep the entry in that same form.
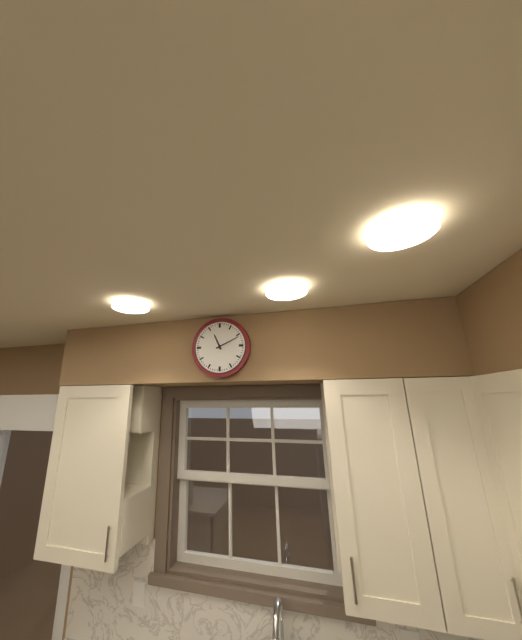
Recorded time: **11:11**
